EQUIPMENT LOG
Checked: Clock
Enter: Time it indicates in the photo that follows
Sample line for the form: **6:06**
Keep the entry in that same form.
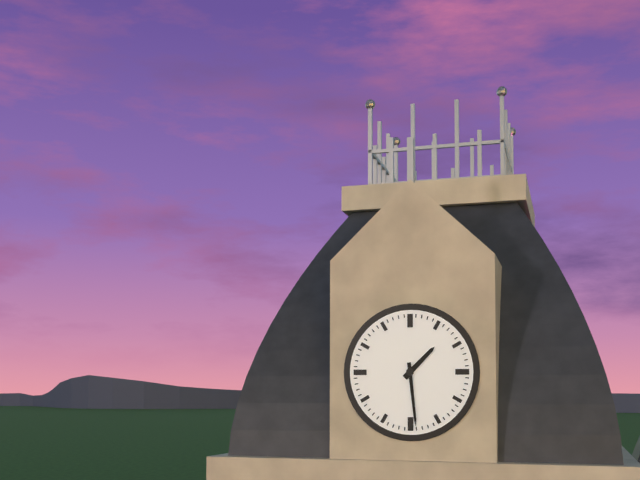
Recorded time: **1:29**
